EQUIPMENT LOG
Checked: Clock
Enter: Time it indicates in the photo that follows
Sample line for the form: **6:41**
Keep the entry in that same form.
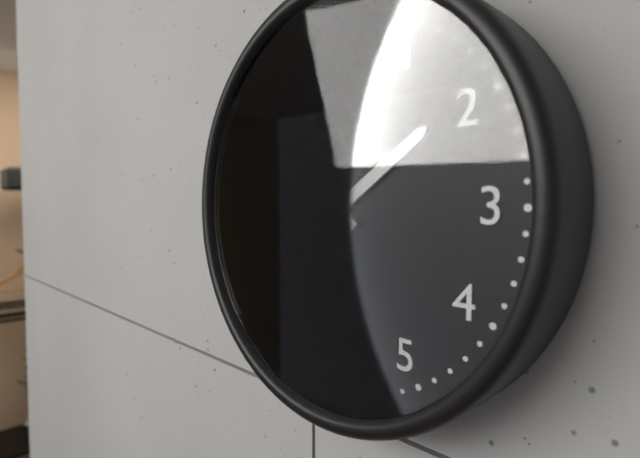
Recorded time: **1:52**
